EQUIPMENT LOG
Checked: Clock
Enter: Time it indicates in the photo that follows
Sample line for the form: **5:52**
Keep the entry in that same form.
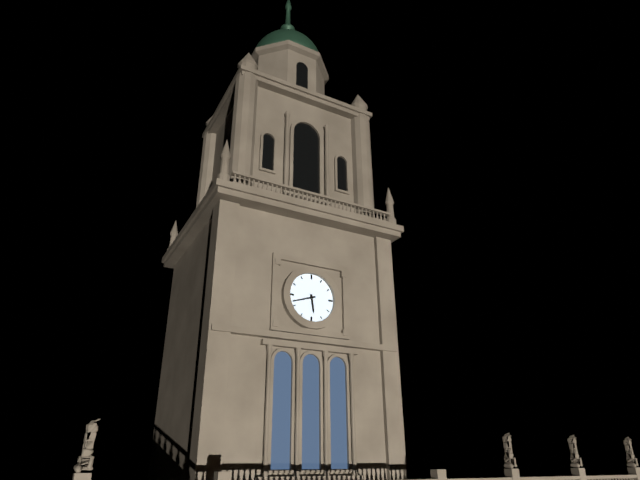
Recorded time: **5:42**
